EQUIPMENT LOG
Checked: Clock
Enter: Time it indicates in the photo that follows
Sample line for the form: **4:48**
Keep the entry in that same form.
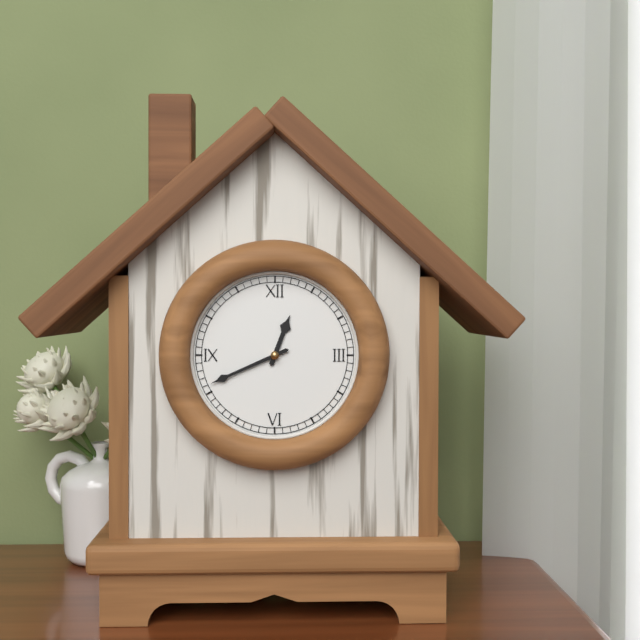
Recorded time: **12:41**
